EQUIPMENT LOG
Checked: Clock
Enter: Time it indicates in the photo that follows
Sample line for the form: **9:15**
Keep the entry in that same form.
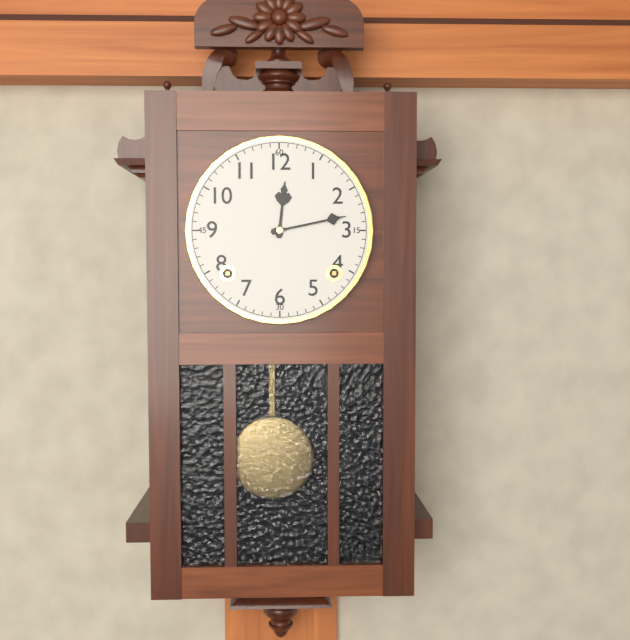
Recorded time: **12:13**
